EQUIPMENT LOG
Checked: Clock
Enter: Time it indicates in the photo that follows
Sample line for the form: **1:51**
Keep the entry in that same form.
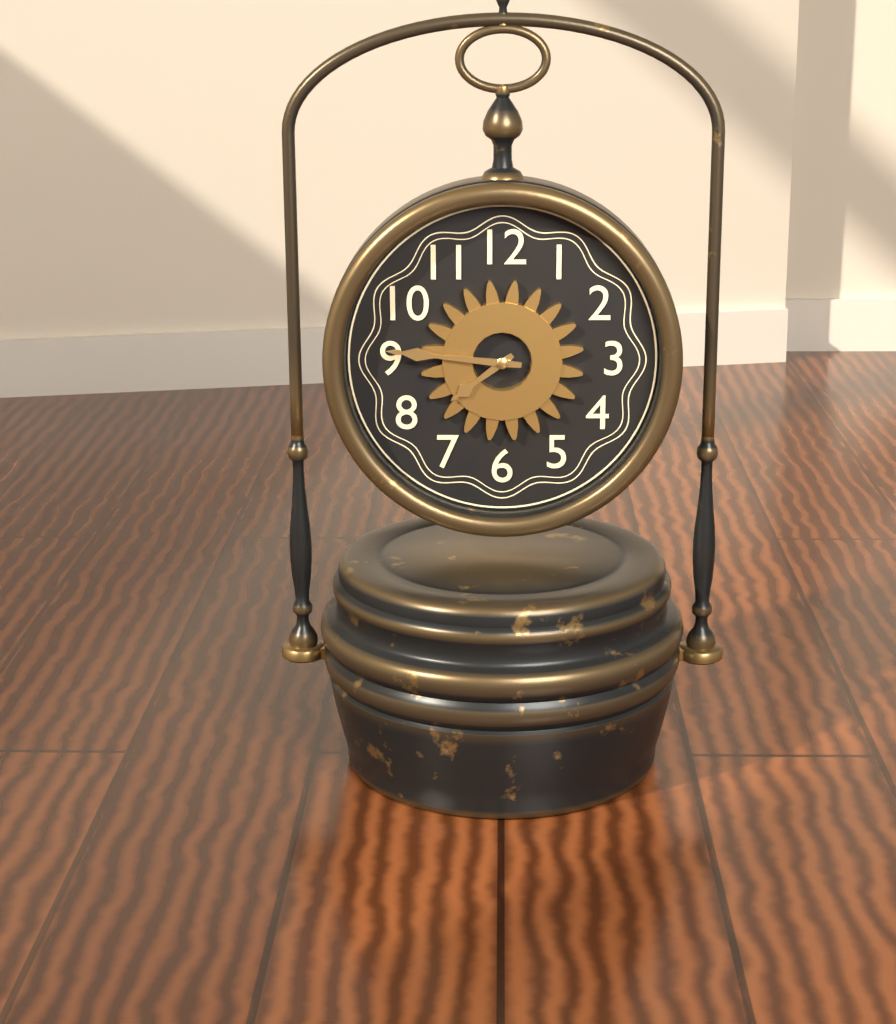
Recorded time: **7:46**
